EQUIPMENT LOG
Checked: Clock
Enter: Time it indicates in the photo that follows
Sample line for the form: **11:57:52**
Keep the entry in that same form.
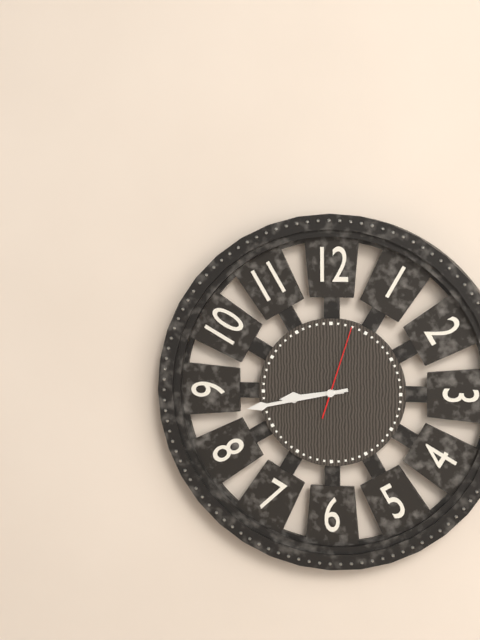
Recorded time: **8:43:03**
